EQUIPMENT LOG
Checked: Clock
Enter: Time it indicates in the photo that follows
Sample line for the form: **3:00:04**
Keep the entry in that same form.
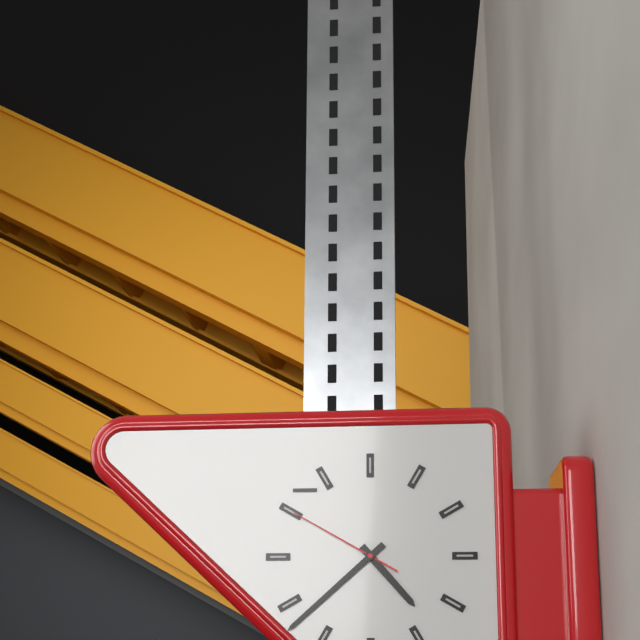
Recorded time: **4:38:50**
